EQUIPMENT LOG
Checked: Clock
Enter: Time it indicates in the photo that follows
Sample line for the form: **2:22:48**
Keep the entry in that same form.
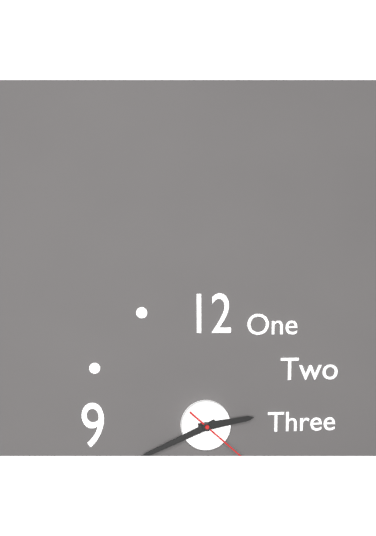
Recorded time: **2:41:22**
